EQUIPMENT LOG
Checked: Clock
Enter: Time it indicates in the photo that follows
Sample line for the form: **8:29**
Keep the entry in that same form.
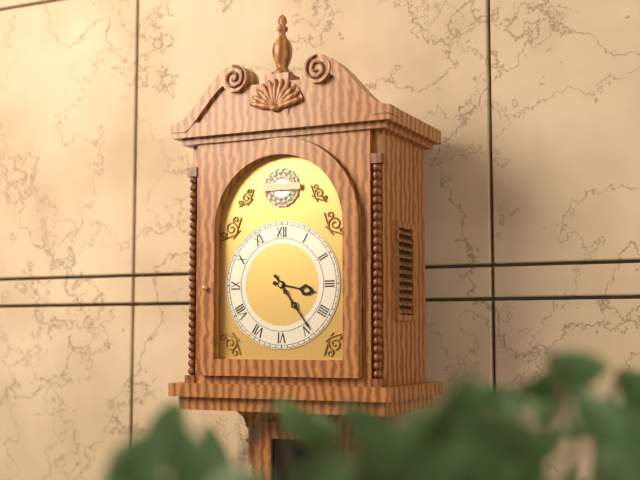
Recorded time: **3:24**
